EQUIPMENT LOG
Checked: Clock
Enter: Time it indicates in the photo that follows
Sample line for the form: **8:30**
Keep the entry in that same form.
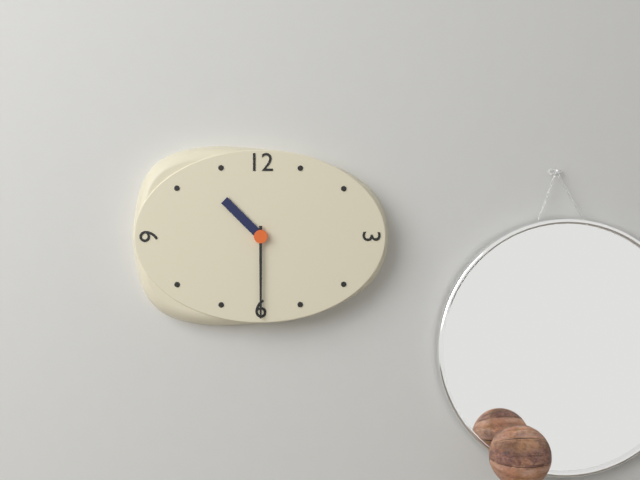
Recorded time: **10:30**
